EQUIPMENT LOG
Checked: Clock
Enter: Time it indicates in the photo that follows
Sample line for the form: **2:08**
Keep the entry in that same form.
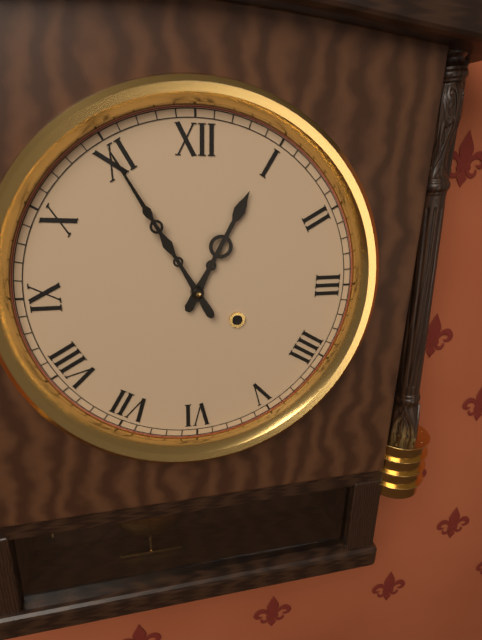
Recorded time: **12:55**
